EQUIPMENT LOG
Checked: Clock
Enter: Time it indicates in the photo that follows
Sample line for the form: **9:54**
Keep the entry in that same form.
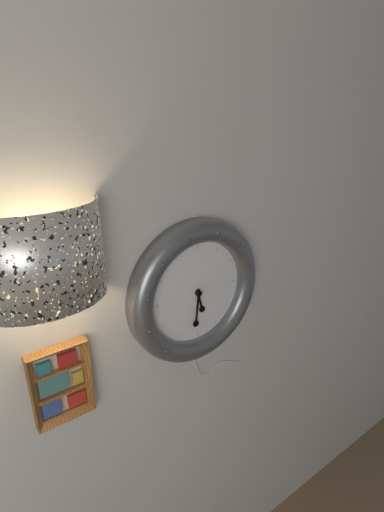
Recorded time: **5:31**
